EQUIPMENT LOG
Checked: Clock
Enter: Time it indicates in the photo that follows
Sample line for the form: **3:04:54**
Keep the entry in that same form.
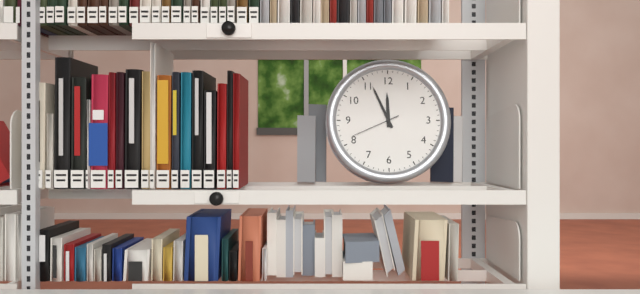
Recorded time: **11:56:41**
